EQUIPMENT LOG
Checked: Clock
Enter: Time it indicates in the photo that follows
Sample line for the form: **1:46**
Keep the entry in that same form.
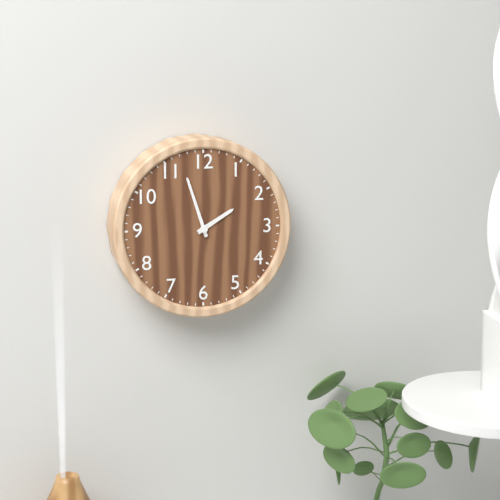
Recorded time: **1:57**
